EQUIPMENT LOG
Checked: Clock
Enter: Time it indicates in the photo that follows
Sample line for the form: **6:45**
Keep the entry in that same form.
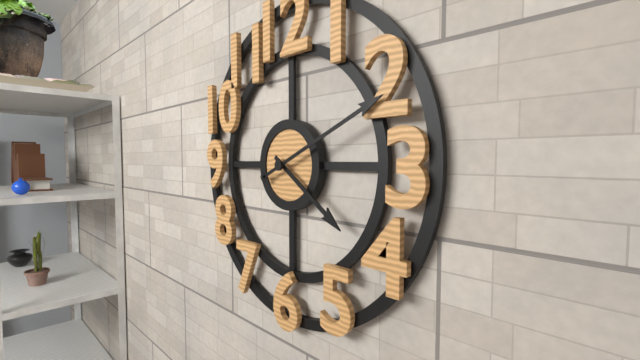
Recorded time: **4:11**
